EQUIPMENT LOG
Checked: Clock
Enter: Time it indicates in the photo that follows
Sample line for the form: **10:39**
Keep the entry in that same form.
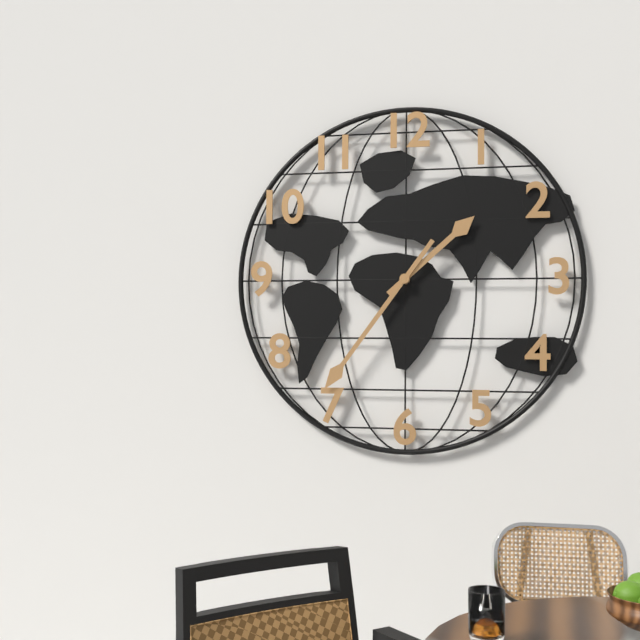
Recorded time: **1:36**
